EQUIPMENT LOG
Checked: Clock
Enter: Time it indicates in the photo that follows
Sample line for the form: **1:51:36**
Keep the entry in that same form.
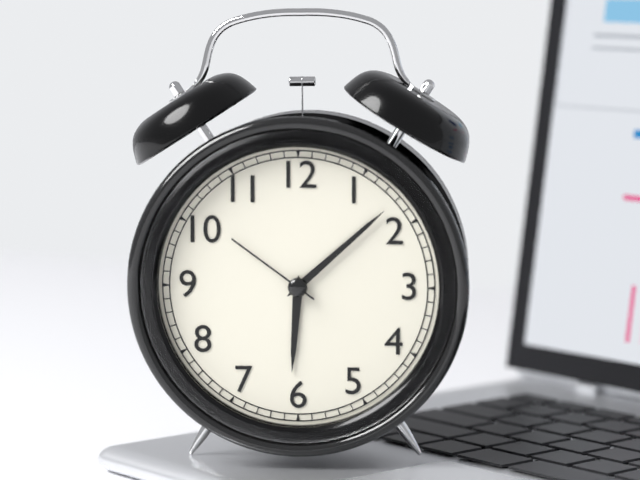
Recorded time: **6:08:51**
